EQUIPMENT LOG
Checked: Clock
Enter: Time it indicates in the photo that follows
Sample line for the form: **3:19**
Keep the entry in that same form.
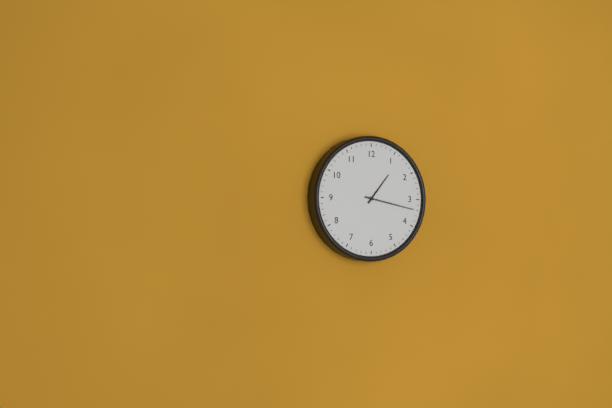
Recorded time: **1:17**
